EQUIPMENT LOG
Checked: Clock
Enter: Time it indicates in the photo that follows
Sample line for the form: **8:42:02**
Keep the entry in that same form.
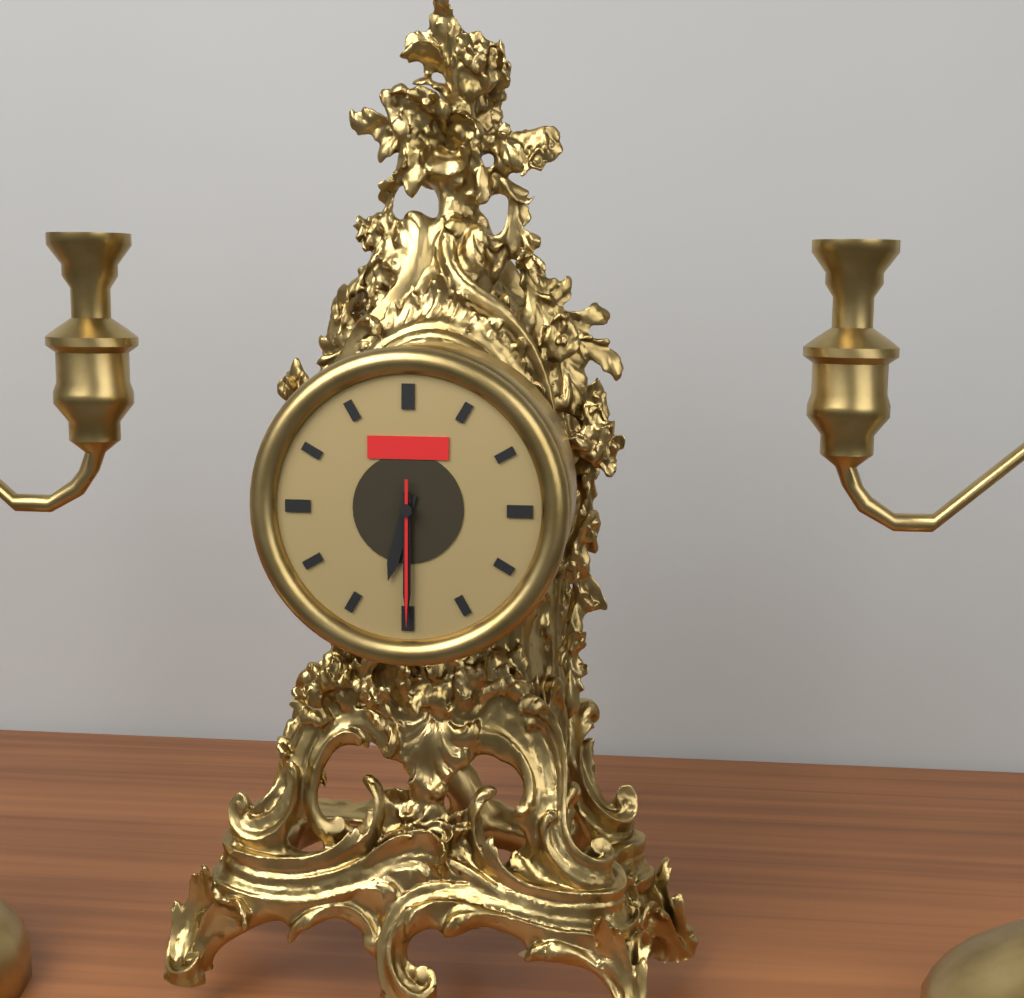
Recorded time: **6:30:30**
